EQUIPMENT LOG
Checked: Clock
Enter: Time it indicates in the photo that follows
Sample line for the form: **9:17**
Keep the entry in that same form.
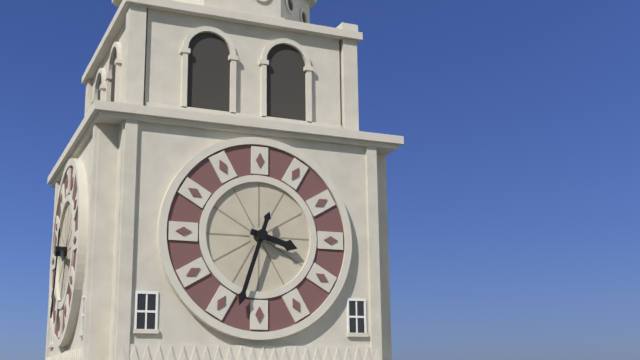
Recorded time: **3:33**
